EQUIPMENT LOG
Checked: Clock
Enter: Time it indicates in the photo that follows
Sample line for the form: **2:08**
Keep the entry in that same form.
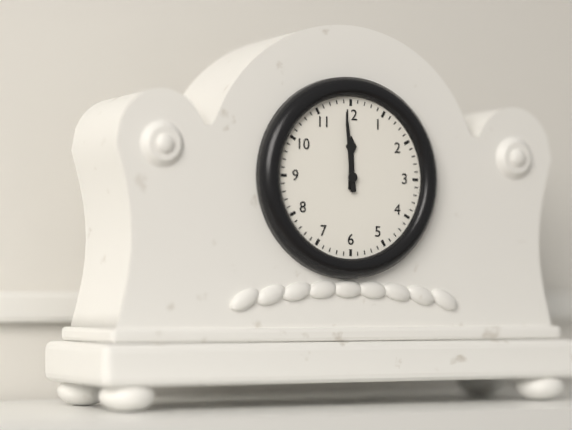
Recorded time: **11:59**
